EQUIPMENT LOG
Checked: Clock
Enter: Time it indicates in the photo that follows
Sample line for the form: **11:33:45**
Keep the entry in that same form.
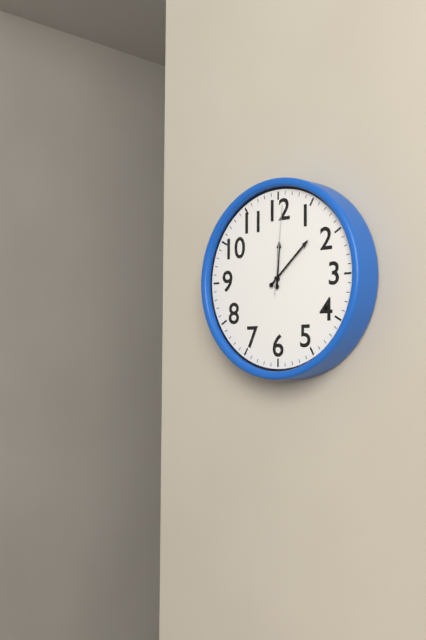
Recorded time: **12:08:01**
